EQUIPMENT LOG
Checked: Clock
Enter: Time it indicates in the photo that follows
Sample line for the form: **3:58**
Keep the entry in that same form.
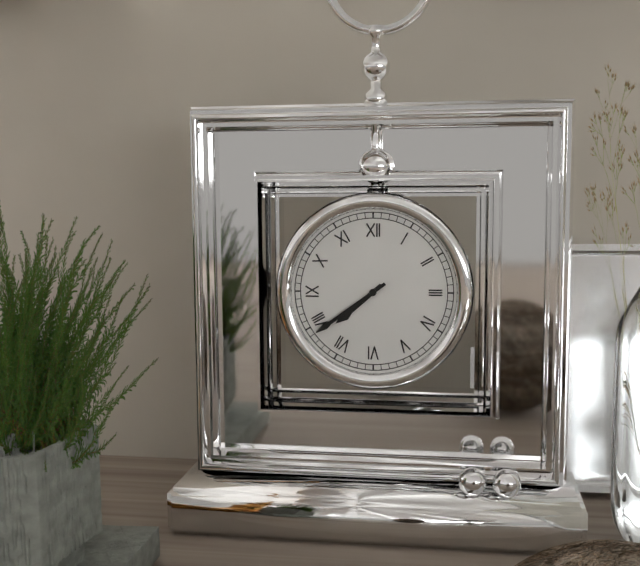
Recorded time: **7:39**
